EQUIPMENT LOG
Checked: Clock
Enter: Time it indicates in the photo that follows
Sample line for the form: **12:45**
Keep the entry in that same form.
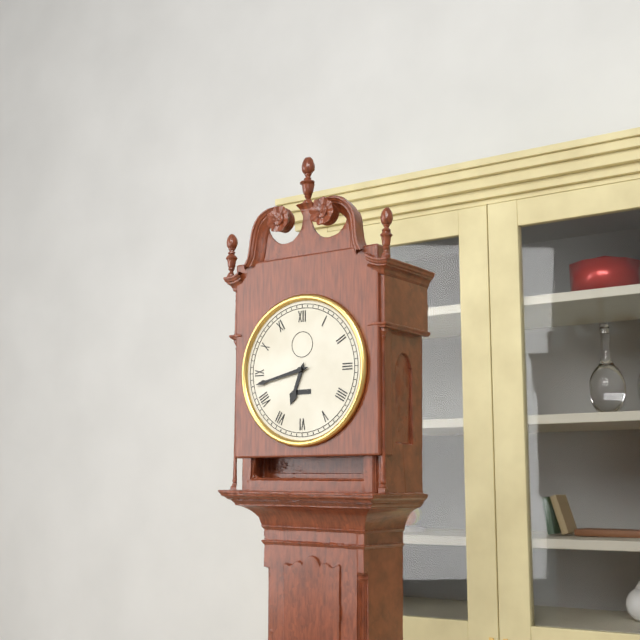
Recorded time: **6:43**
